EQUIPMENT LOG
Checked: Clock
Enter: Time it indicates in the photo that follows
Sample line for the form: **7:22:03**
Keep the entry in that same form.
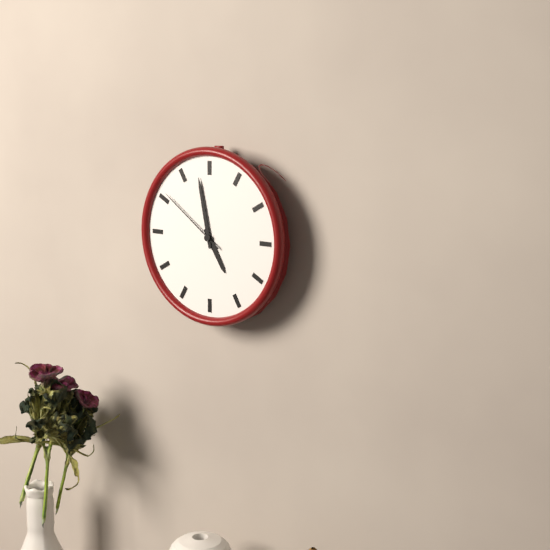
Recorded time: **4:58:51**
